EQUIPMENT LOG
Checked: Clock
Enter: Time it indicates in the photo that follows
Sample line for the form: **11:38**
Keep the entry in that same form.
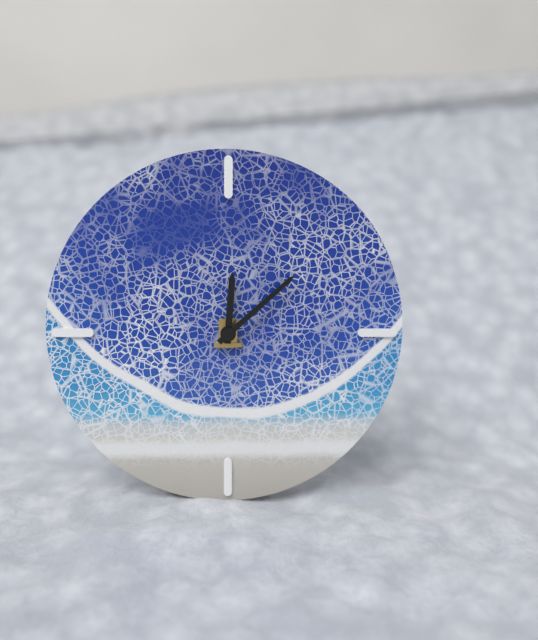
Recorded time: **12:08**
